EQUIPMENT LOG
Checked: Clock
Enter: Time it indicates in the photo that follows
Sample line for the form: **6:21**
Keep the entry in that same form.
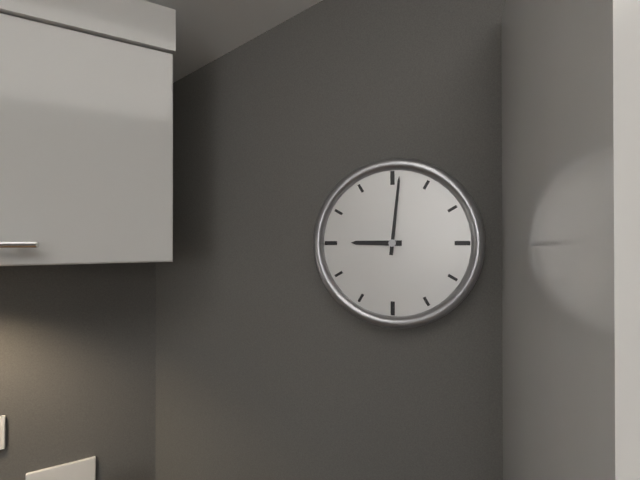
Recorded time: **9:01**
